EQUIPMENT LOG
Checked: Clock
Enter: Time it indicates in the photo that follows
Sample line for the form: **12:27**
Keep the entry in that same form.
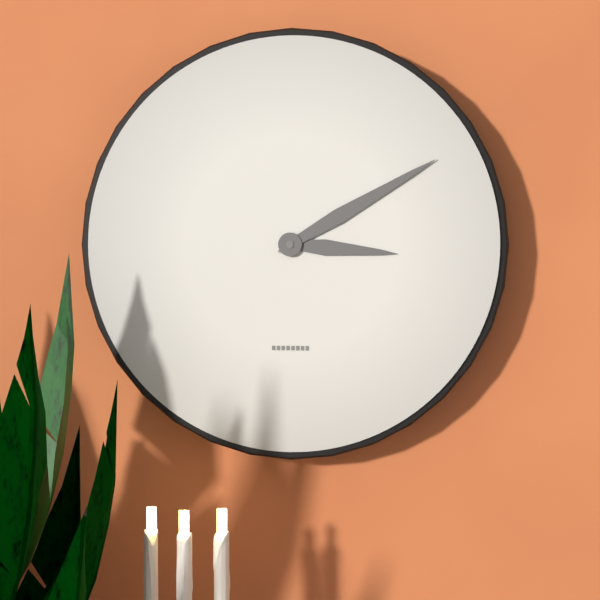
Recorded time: **3:10**
